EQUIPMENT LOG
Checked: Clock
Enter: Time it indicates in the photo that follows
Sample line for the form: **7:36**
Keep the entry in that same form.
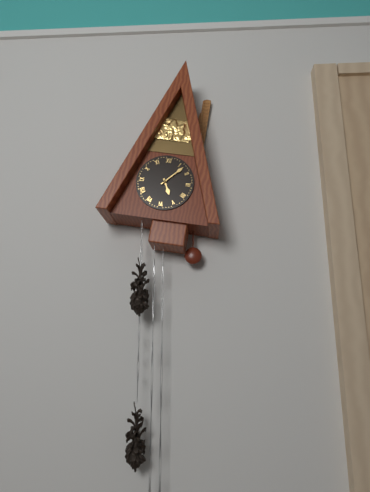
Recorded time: **5:07**
